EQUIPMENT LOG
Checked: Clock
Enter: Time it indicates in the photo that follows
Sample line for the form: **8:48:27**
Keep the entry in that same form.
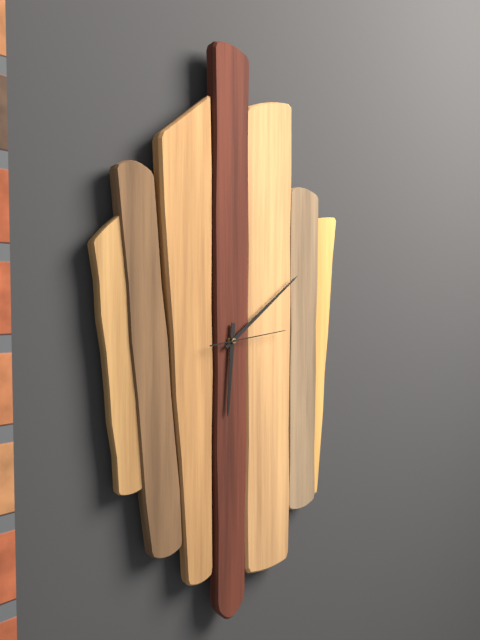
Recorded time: **6:09:14**
